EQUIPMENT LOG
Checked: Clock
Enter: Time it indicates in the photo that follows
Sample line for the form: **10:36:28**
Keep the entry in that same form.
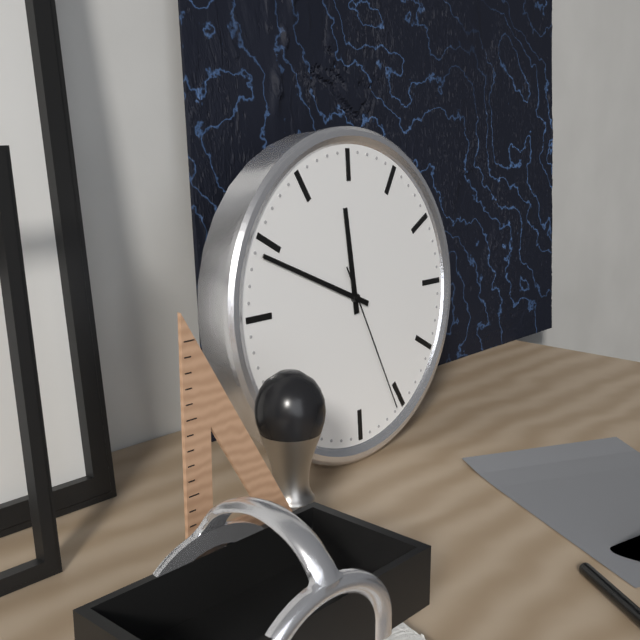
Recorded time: **11:49:26**
